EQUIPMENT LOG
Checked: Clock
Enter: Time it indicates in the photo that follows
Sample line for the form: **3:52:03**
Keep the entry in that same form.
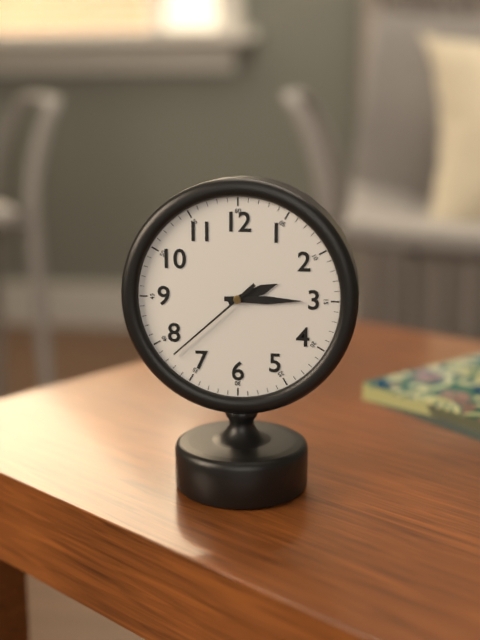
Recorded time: **2:15:38**
